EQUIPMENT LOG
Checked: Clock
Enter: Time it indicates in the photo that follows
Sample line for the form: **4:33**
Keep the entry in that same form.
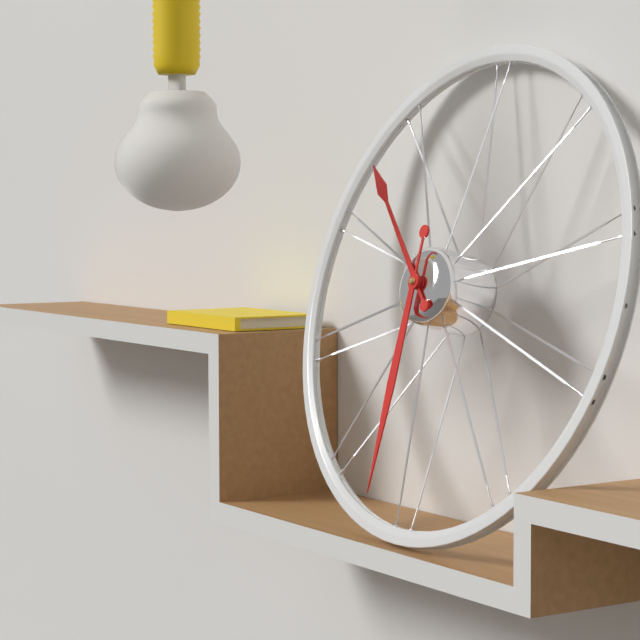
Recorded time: **10:30**
